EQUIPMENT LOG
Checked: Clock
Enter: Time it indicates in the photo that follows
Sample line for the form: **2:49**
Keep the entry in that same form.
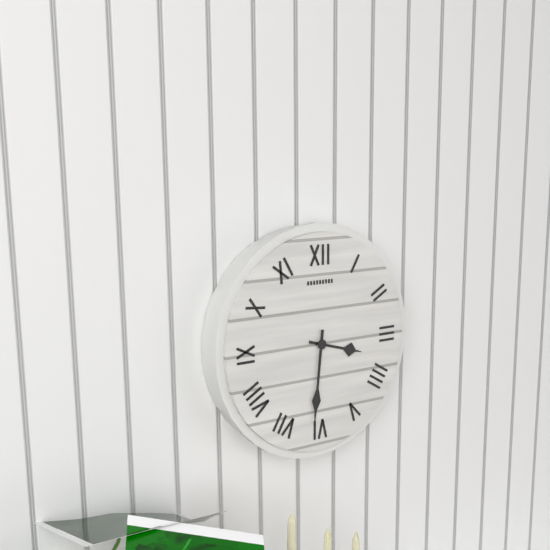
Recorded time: **3:31**
